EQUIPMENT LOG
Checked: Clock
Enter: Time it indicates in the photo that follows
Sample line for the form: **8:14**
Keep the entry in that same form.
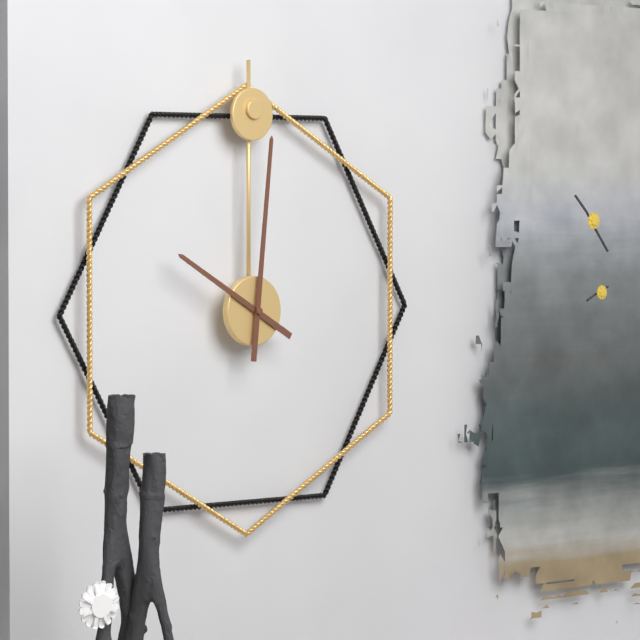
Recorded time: **10:01**
